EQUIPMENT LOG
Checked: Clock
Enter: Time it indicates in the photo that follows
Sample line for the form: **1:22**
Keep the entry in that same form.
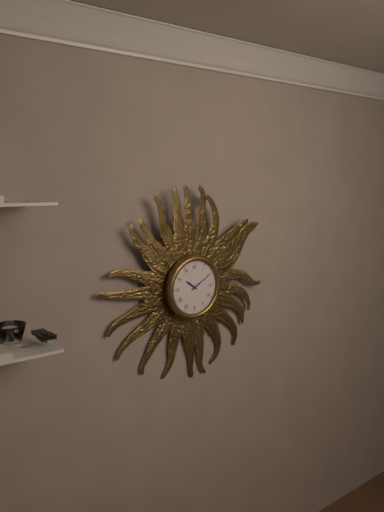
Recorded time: **10:10**
